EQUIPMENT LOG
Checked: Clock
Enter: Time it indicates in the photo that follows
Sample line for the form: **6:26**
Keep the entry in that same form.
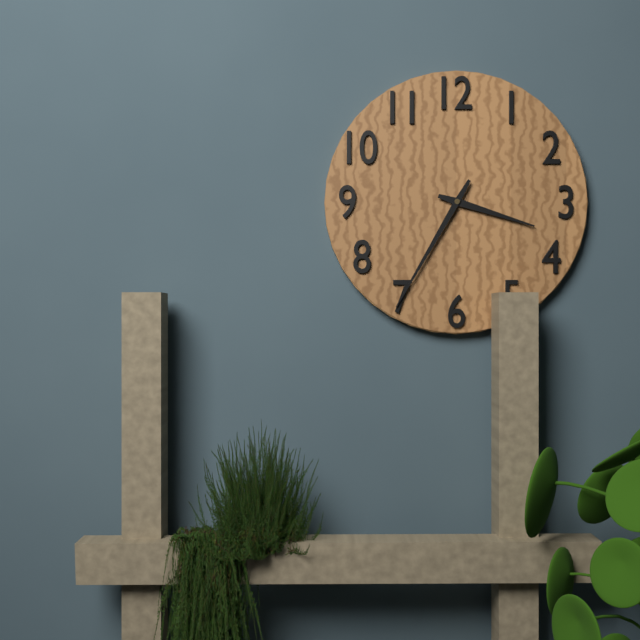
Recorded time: **3:35**
